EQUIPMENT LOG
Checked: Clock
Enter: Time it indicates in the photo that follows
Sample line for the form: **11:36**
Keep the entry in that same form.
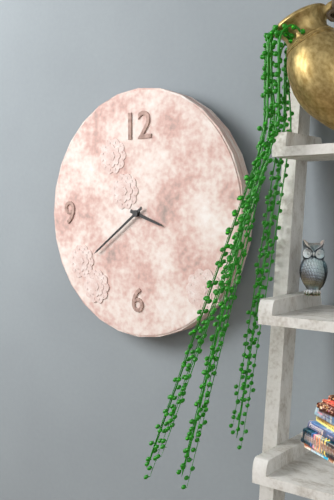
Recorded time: **3:39**
